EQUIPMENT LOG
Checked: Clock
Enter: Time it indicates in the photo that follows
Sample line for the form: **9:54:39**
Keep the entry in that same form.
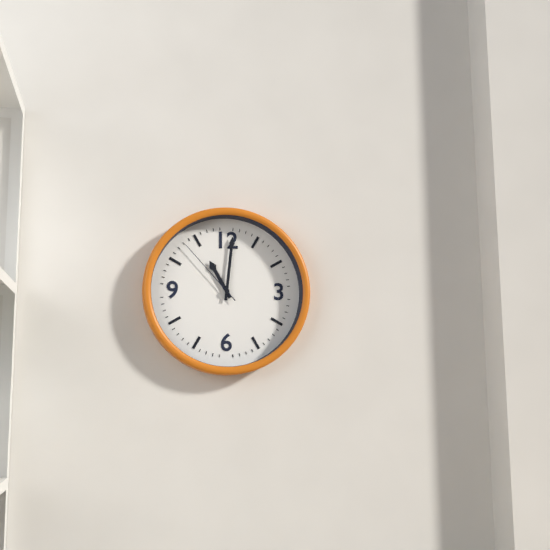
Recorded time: **11:01:53**
